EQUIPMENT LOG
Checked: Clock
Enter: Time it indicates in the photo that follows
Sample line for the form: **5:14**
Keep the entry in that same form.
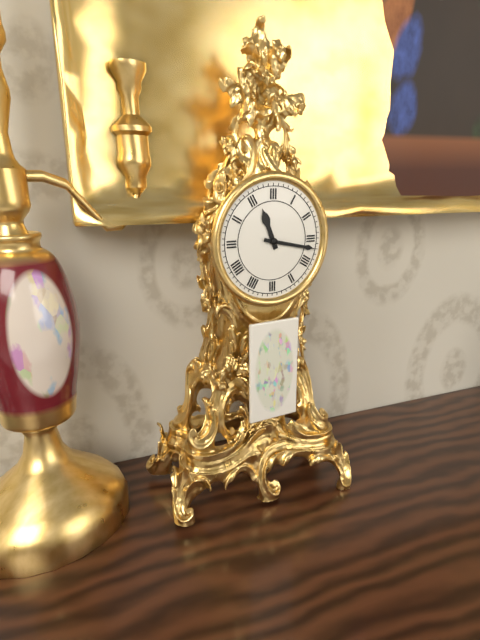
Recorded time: **11:17**
